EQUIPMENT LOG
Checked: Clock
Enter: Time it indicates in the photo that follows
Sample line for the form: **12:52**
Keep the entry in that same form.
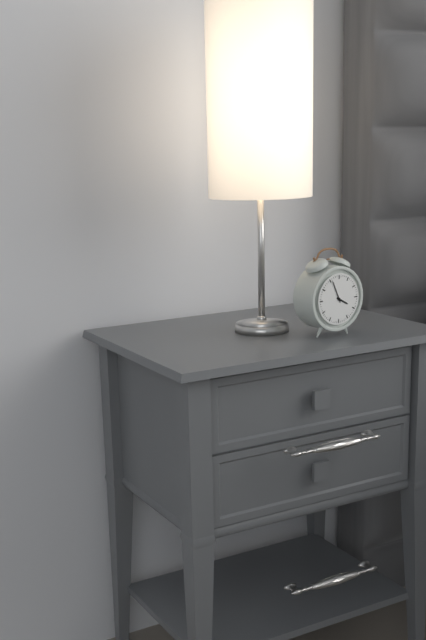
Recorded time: **3:56**
